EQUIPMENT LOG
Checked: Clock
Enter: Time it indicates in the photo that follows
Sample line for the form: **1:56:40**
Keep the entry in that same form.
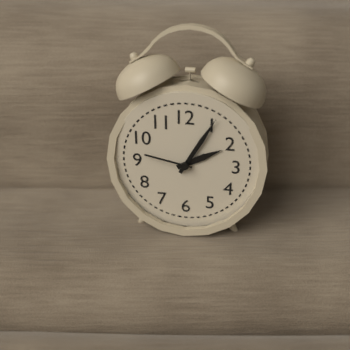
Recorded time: **2:05:47**
